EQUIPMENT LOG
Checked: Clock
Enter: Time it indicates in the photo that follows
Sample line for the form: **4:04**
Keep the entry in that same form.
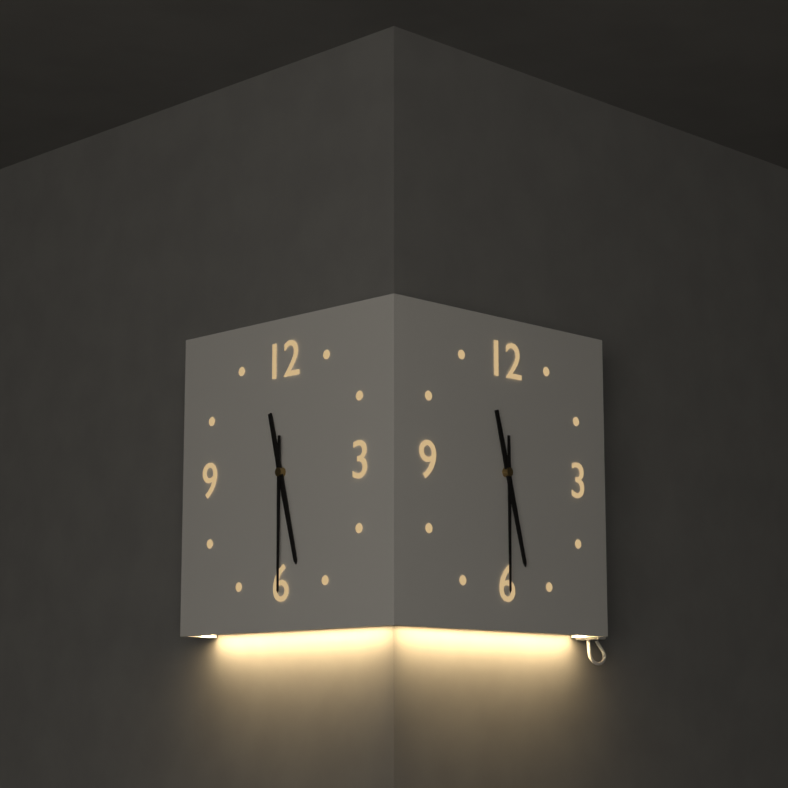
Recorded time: **5:30**
